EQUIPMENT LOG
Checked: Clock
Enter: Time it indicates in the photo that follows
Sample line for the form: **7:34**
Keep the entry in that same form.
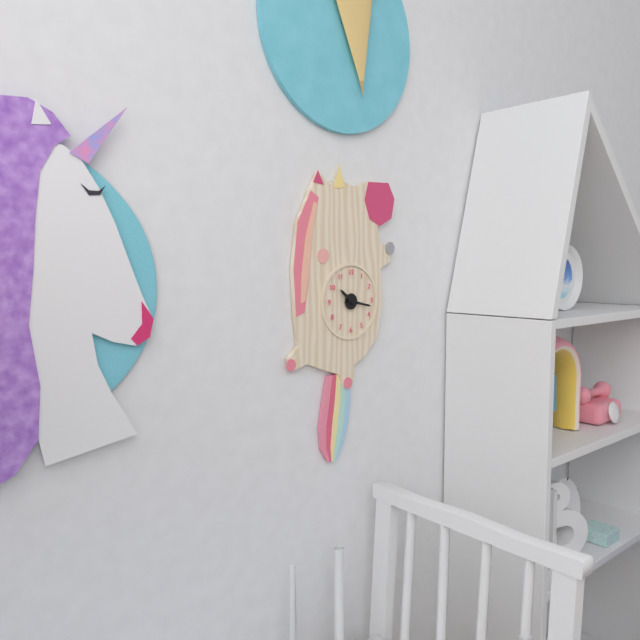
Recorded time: **10:17**
